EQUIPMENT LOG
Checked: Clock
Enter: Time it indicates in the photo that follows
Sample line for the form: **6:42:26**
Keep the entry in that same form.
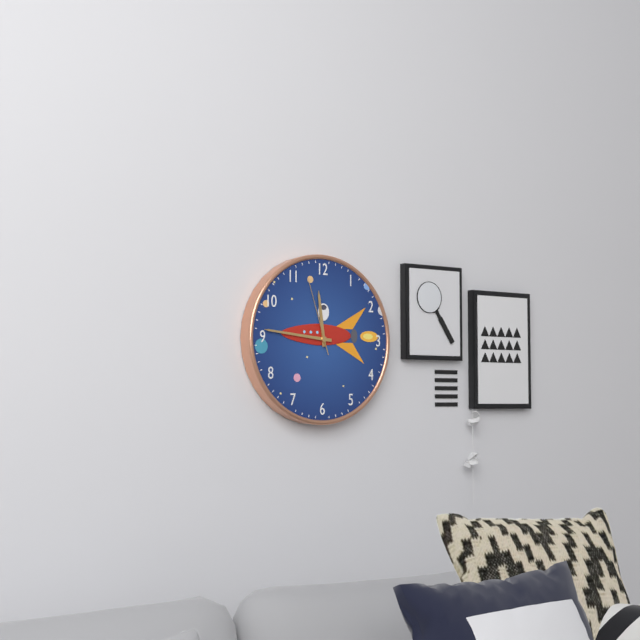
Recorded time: **11:46:57**
